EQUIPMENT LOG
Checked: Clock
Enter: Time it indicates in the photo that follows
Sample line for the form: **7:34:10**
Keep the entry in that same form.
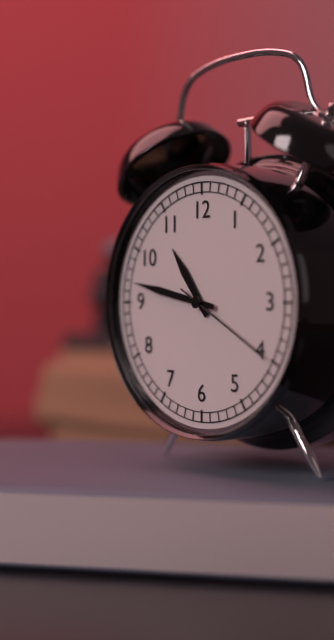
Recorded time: **10:47:20**
